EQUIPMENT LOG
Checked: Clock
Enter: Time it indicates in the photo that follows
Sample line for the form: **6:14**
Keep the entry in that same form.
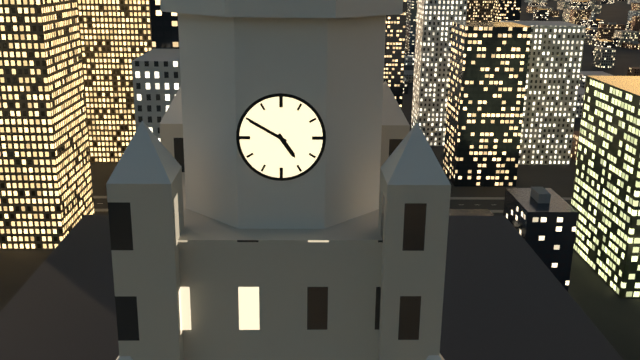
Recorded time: **4:50**
